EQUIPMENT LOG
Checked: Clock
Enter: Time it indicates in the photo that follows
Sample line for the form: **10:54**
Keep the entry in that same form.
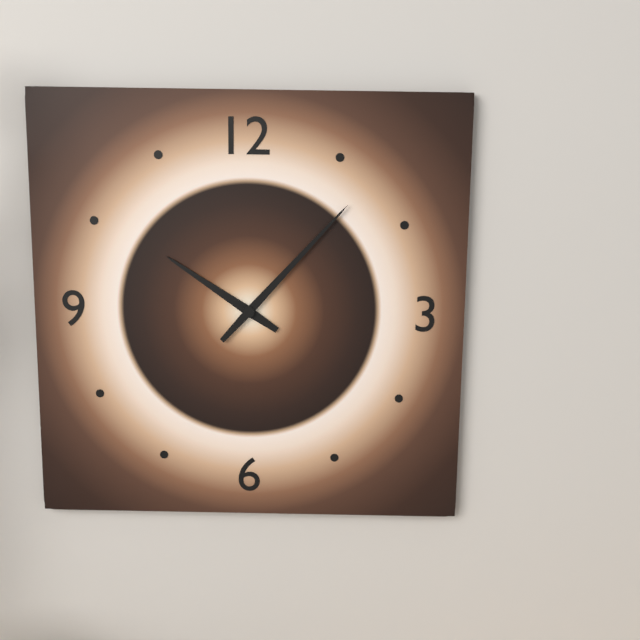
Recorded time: **10:07**
